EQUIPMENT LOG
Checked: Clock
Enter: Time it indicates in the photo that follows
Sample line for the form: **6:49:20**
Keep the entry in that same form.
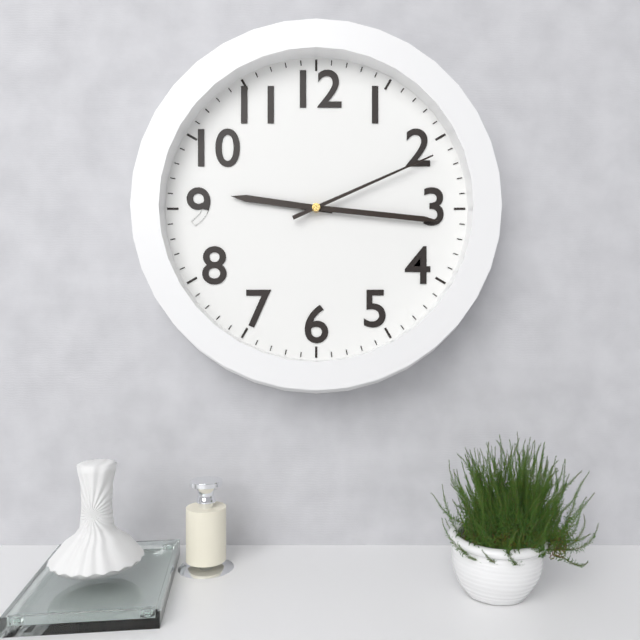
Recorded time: **9:16:11**
